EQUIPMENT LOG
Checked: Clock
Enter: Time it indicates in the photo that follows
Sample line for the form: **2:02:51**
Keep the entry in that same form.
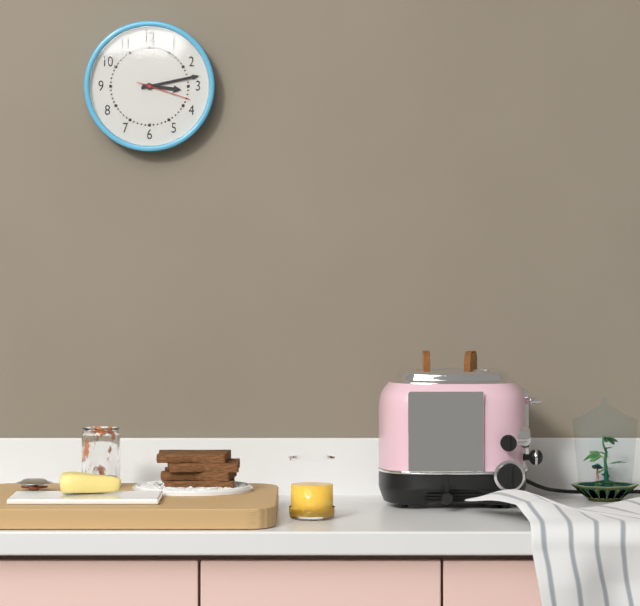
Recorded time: **3:13:18**
